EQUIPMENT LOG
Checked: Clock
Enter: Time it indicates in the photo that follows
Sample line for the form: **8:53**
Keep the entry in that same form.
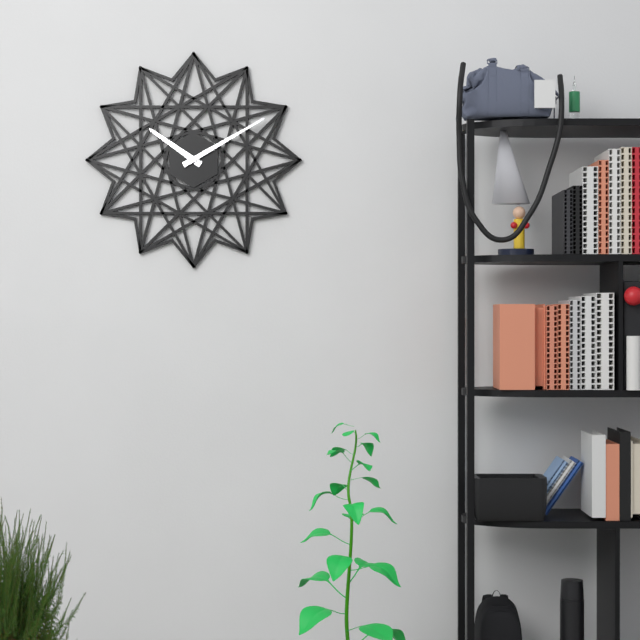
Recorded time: **10:10**
